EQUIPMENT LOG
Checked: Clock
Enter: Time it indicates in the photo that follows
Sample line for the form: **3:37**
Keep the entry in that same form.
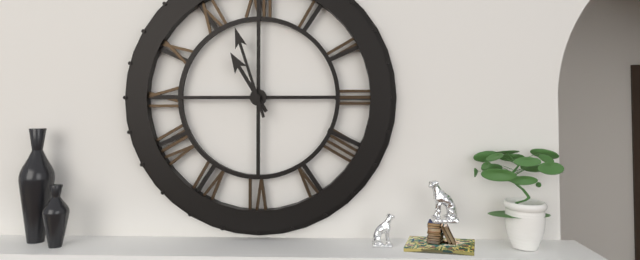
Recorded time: **10:57**
